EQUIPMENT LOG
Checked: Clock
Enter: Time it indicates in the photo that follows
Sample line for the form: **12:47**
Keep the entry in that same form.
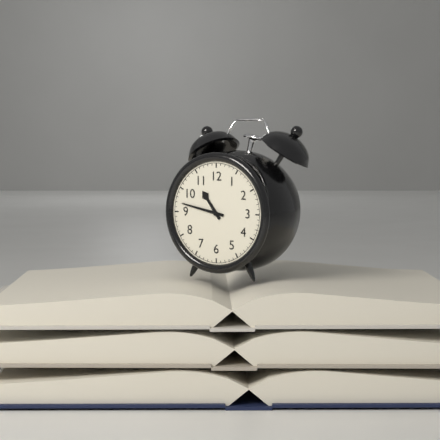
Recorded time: **10:47**
